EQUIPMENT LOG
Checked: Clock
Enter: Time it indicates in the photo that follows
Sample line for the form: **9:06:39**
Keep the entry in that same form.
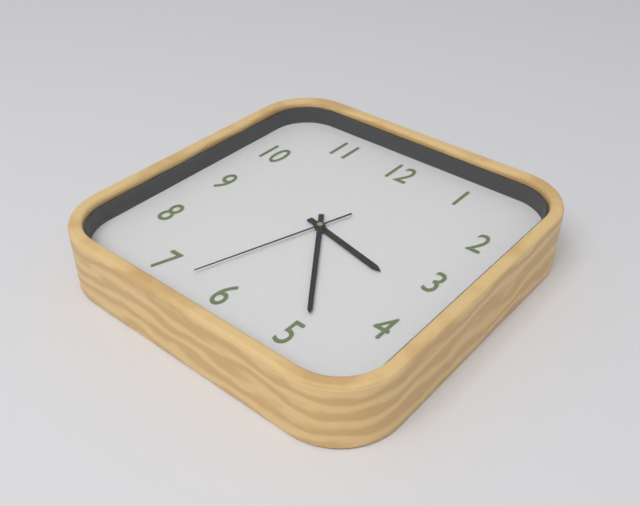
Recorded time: **3:24:33**
